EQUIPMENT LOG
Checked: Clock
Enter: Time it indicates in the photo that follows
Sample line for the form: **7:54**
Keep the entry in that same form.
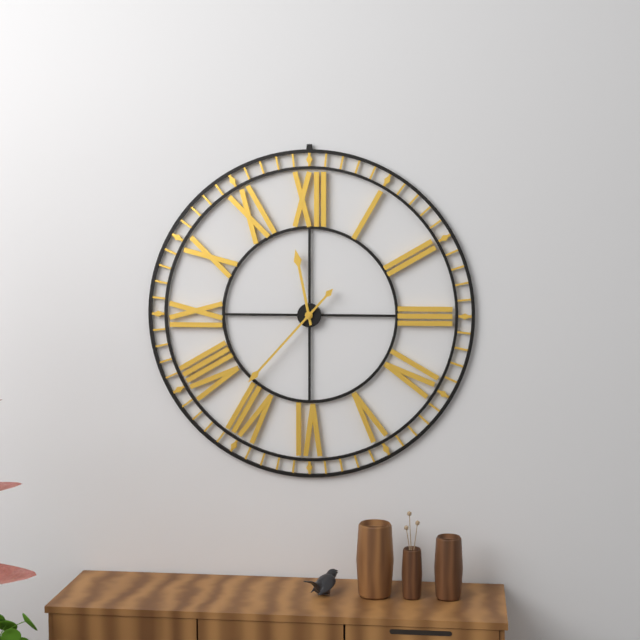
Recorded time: **11:37**
